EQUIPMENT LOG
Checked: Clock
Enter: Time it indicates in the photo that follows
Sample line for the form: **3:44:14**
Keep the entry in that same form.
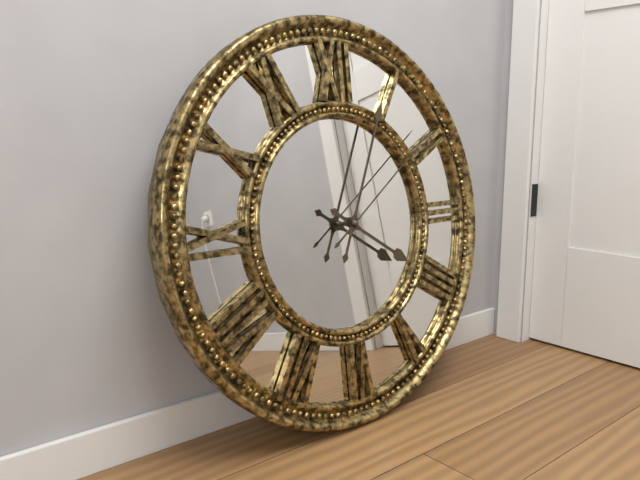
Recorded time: **4:04:09**
